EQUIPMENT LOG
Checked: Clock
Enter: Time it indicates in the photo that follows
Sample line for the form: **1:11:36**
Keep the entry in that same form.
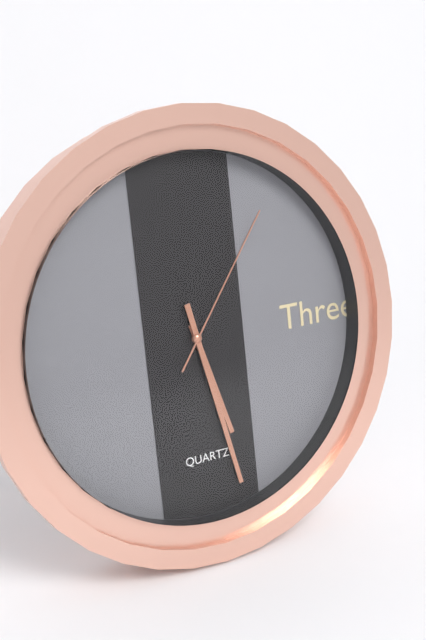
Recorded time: **5:28:06**
